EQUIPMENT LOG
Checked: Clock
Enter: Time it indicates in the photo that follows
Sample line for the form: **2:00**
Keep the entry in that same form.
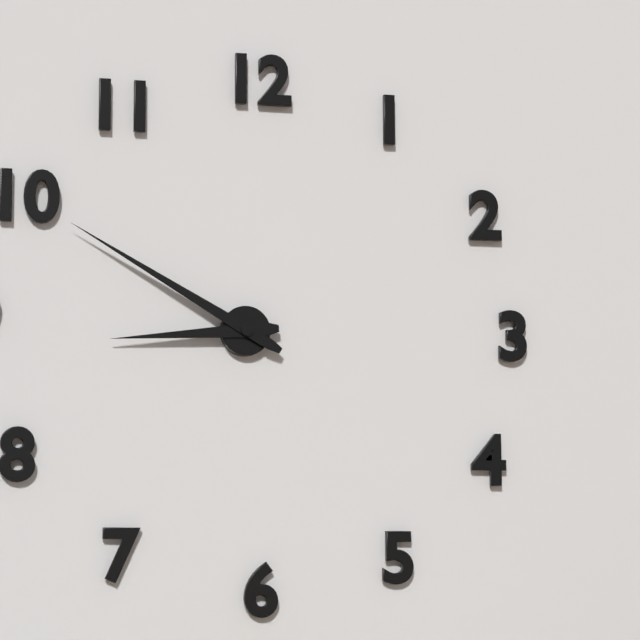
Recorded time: **8:50**
